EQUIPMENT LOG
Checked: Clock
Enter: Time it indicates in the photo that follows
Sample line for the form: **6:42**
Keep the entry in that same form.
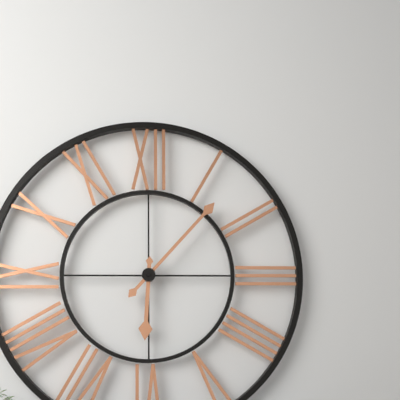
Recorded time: **6:07**
